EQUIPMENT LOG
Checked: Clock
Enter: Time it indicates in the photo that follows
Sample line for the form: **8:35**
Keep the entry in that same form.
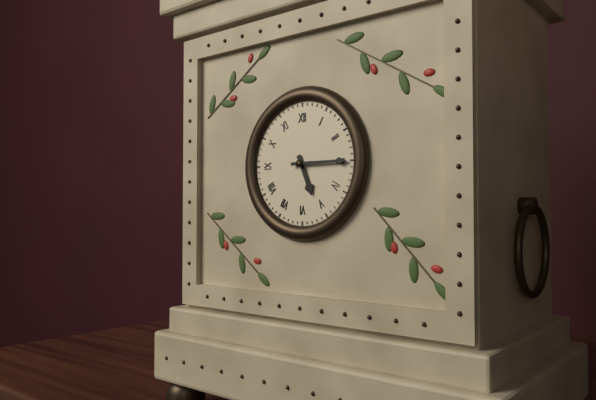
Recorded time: **5:15**
